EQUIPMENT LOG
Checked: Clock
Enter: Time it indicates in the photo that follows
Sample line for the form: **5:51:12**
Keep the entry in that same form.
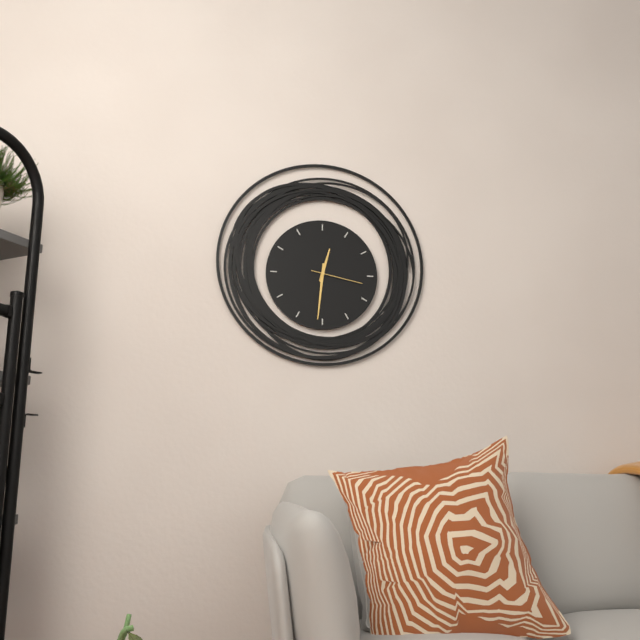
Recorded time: **12:31:17**
